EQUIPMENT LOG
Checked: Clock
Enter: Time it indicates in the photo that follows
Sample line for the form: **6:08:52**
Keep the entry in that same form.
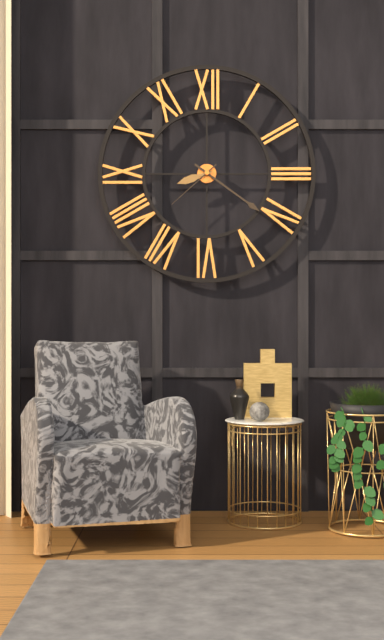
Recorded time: **8:21:38**
